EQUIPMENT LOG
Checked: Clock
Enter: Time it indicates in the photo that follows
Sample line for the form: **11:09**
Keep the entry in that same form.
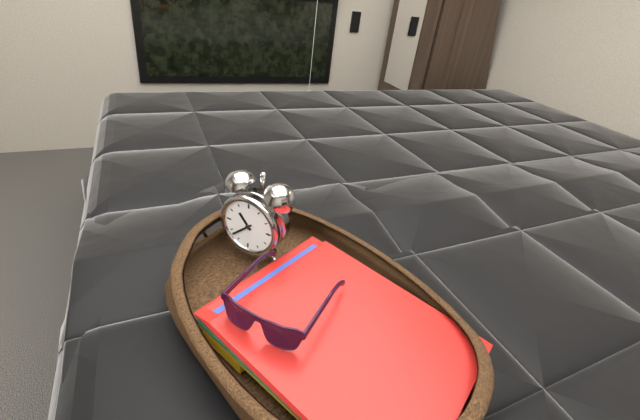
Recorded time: **10:38**
